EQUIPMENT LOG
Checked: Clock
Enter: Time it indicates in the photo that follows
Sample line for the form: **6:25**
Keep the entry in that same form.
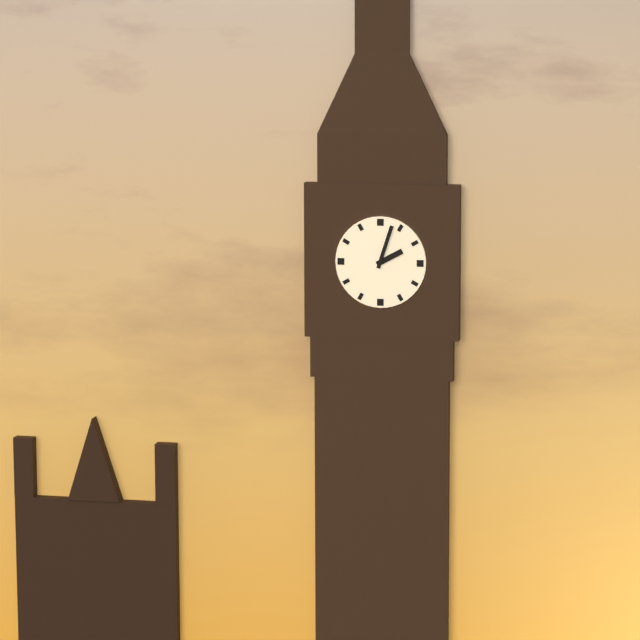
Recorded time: **2:03**
